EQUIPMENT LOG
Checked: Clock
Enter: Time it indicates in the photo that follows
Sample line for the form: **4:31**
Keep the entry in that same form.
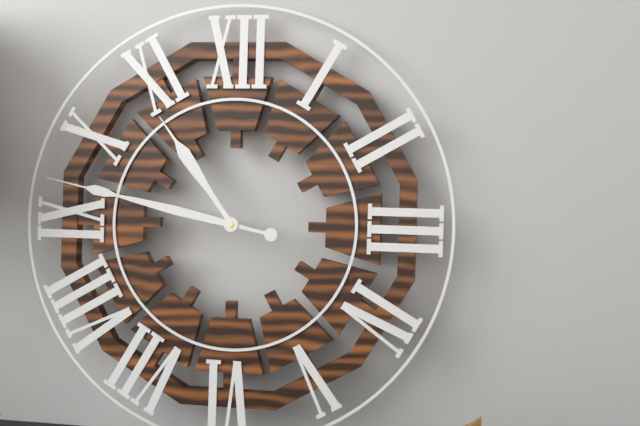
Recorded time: **10:47**
